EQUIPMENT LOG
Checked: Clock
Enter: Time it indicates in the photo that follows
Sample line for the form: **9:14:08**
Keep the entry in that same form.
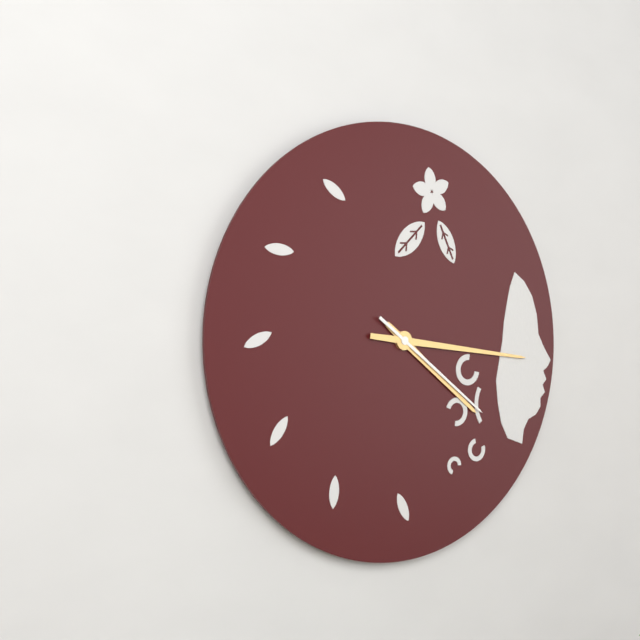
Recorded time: **4:16:21**
